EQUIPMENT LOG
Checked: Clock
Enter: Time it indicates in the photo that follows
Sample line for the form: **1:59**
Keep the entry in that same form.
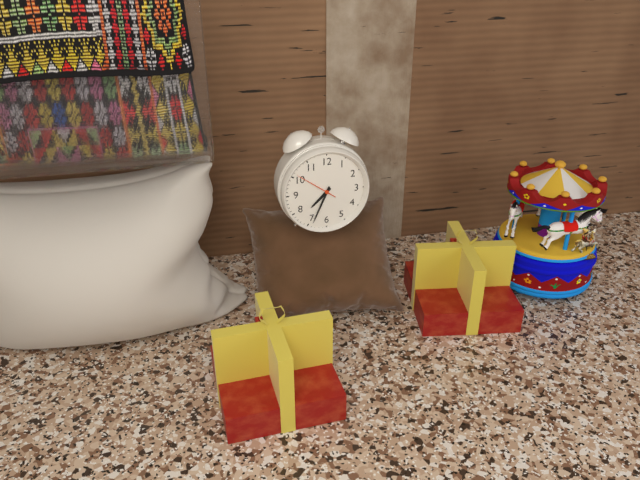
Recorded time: **7:34**
